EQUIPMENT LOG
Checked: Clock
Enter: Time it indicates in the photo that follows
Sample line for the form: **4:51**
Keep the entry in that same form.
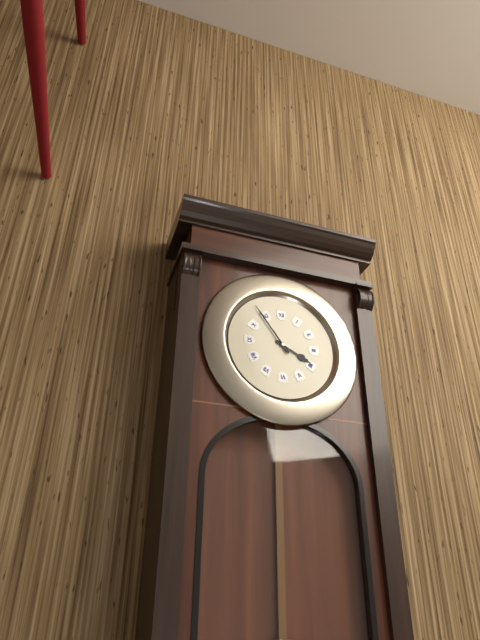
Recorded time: **3:54**
